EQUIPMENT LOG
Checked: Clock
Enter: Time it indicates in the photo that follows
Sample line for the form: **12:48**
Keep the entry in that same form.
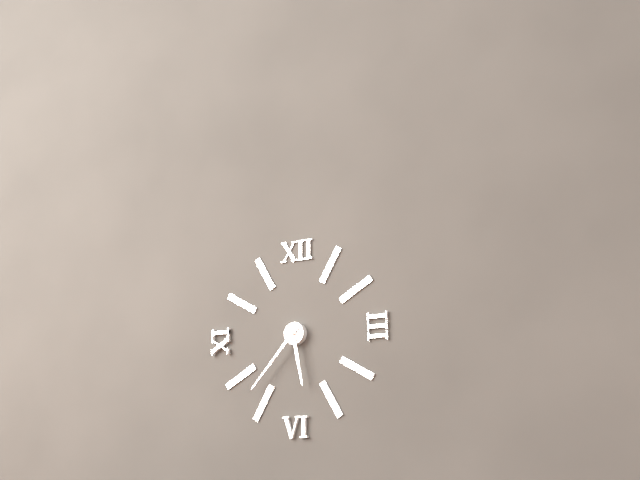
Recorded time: **5:37**
